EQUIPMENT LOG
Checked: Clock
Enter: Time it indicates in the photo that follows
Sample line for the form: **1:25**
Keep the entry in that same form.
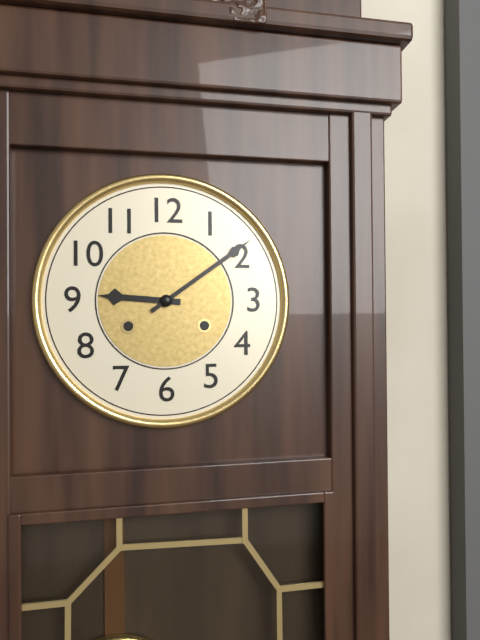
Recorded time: **9:09**
